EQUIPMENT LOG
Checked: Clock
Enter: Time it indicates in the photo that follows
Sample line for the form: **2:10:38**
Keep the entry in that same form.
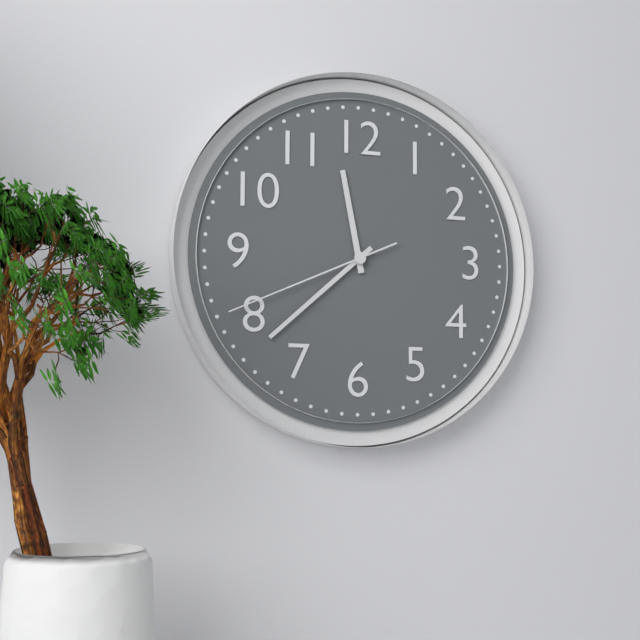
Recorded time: **11:38:41**
